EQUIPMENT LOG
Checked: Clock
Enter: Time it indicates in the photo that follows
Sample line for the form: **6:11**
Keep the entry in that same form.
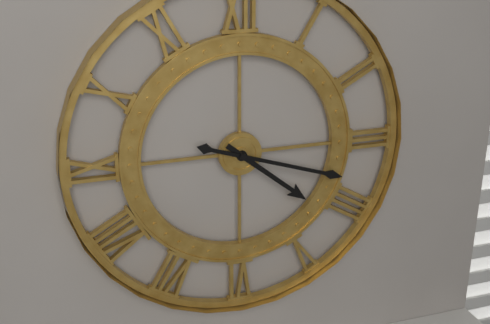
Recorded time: **4:18**
